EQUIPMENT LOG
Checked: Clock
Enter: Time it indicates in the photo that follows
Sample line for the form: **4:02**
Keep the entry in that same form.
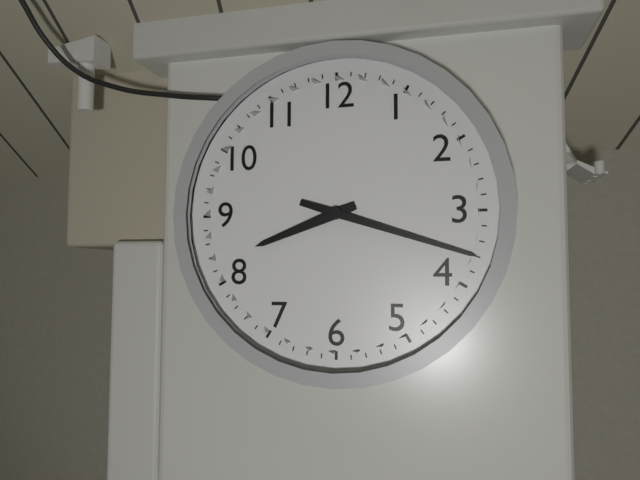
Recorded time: **8:18**
